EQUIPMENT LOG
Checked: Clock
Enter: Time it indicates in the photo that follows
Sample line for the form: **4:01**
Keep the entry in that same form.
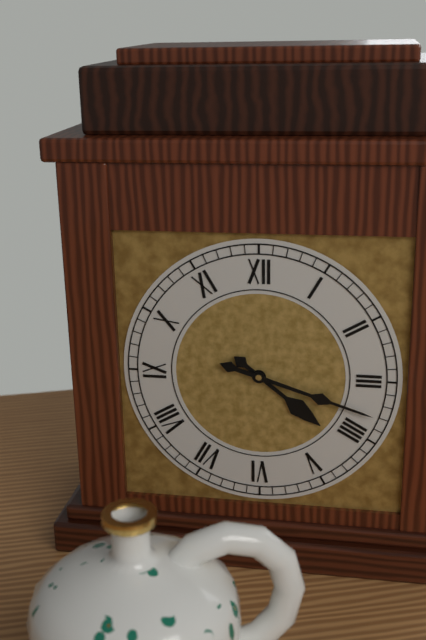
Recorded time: **4:18**
